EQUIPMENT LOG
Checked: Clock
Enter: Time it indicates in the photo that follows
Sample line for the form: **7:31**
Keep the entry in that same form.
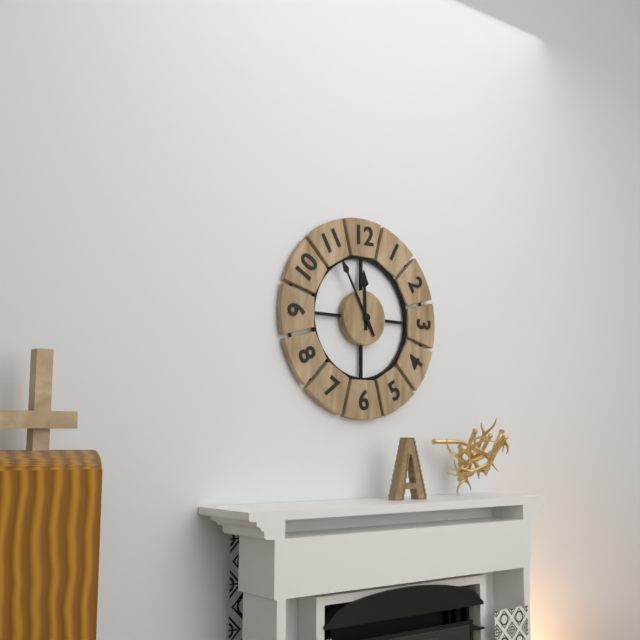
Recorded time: **11:55**
